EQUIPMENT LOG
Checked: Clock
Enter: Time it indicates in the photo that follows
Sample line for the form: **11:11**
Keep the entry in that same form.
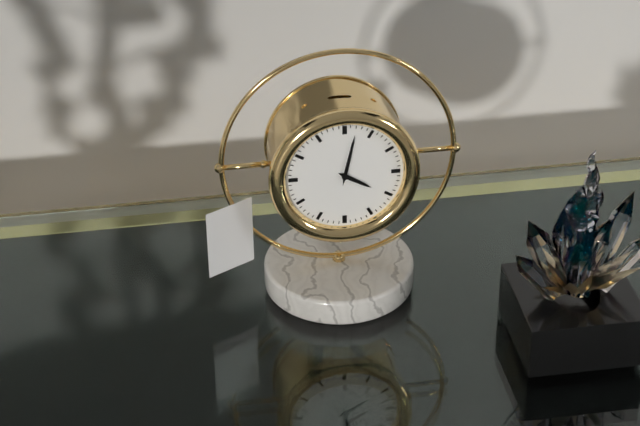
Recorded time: **4:02**
